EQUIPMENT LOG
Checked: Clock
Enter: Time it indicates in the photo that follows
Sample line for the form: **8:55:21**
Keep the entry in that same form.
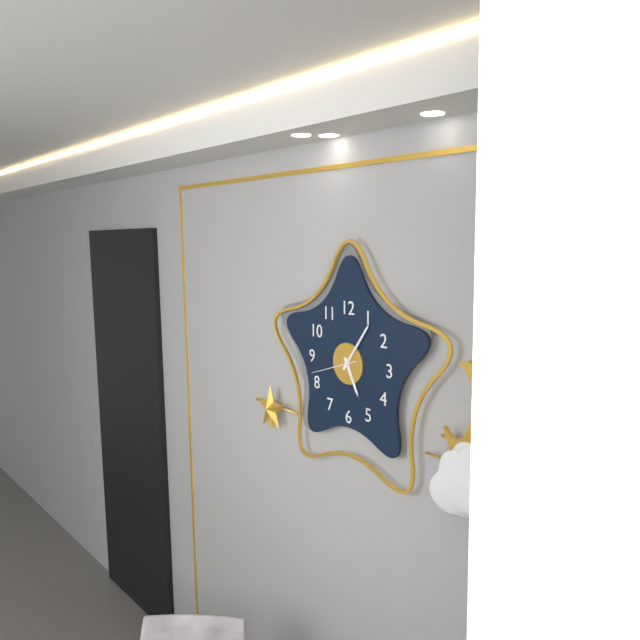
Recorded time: **5:06:42**
